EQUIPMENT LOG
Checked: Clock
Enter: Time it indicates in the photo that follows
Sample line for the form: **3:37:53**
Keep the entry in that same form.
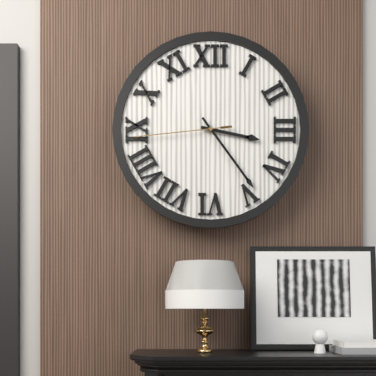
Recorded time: **3:24:44**
